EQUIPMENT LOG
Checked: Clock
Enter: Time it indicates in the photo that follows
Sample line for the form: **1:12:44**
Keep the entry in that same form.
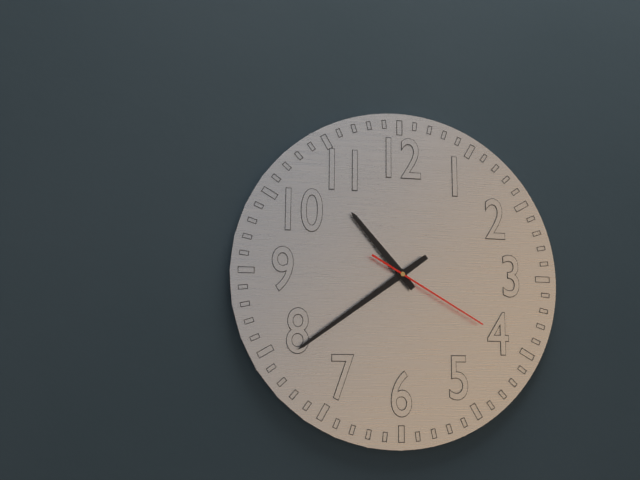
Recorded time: **10:39:20**
